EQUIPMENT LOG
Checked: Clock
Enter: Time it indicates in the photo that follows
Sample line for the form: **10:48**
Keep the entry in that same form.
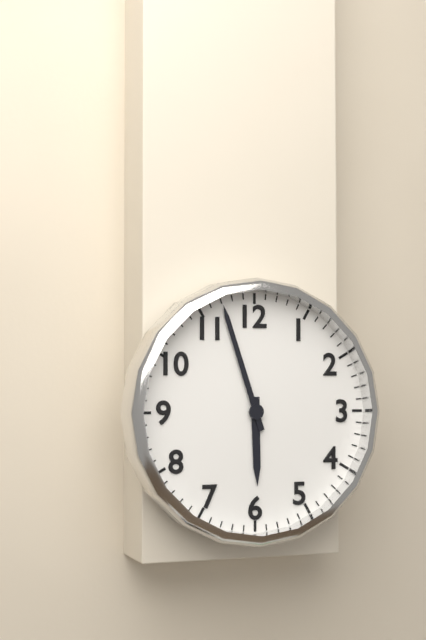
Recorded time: **5:57**
